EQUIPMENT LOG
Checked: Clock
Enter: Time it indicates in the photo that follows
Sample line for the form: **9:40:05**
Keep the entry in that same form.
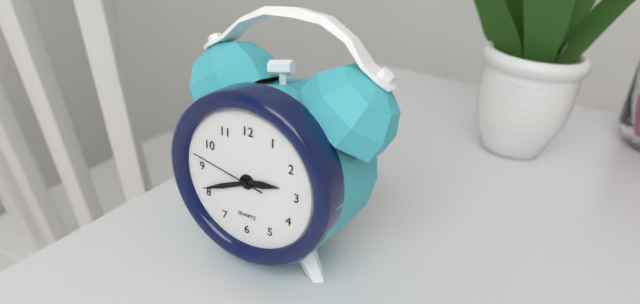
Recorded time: **2:41:47**
